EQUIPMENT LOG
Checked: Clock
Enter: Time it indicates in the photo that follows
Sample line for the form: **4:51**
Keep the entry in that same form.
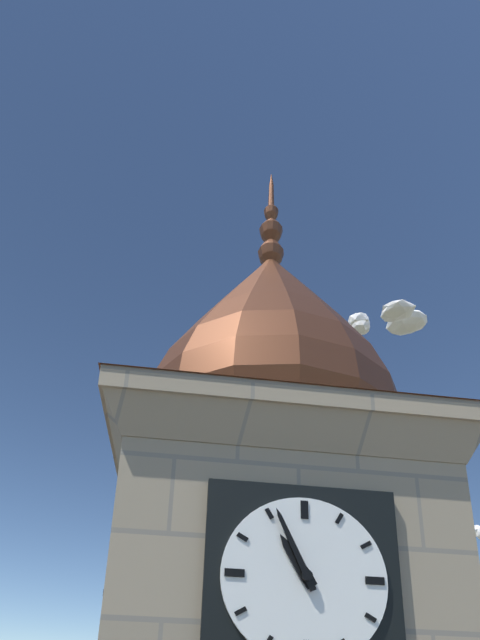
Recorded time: **10:56**
